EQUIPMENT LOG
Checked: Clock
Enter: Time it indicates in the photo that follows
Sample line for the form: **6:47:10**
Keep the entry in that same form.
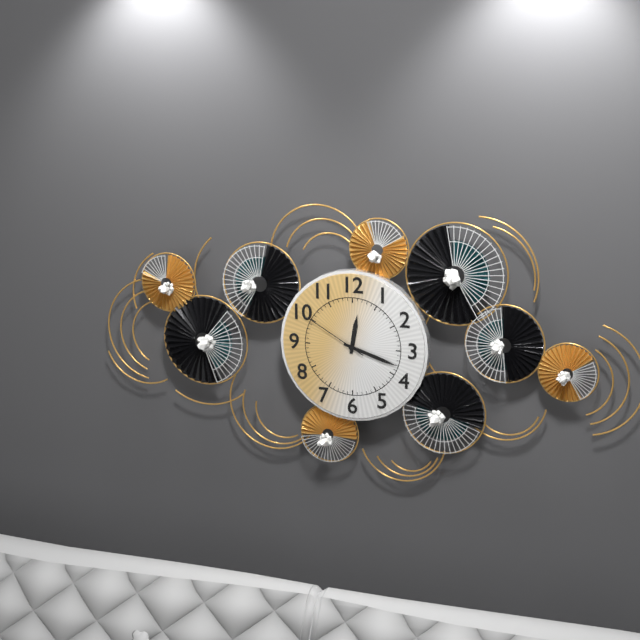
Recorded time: **12:18:50**
